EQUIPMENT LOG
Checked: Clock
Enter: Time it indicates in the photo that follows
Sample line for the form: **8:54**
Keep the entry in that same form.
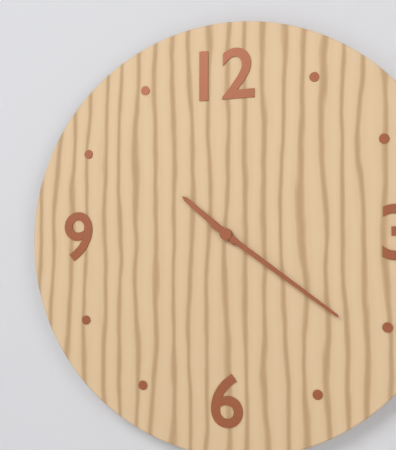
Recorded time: **10:21**
